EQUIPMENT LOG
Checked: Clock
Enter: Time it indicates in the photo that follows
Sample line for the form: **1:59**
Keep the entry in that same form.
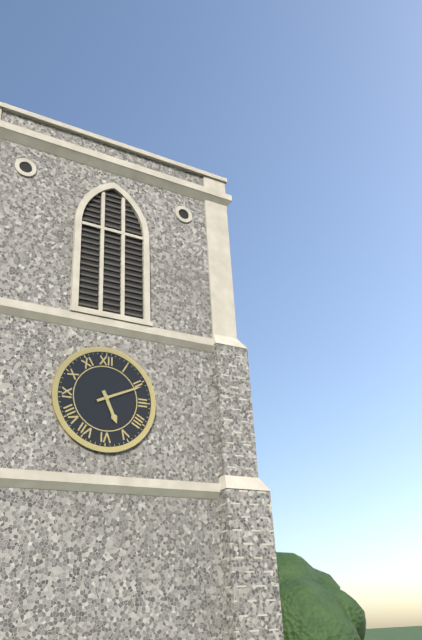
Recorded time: **5:11**
